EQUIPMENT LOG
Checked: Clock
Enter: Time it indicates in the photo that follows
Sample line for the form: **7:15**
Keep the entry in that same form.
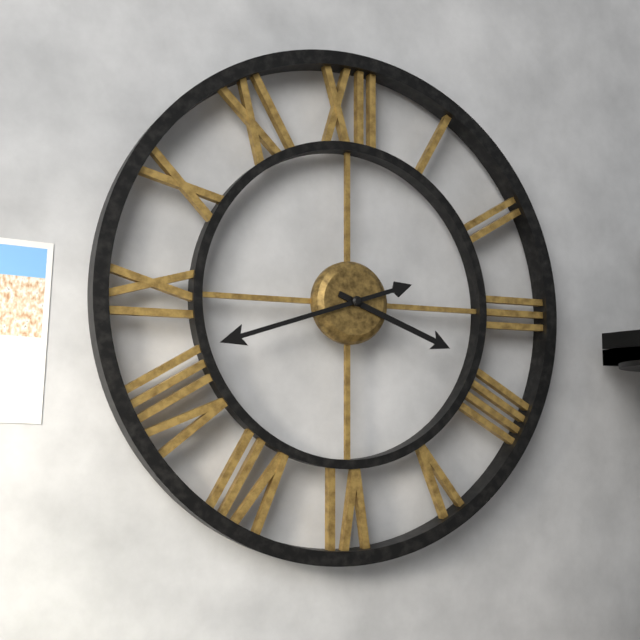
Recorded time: **3:42**
